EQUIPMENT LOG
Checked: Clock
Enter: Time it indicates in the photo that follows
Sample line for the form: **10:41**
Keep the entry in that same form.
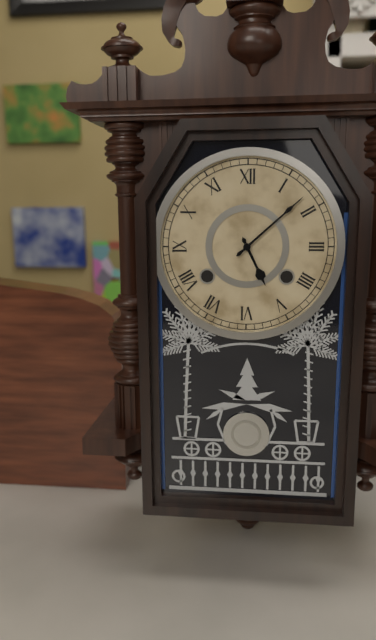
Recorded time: **5:08**
